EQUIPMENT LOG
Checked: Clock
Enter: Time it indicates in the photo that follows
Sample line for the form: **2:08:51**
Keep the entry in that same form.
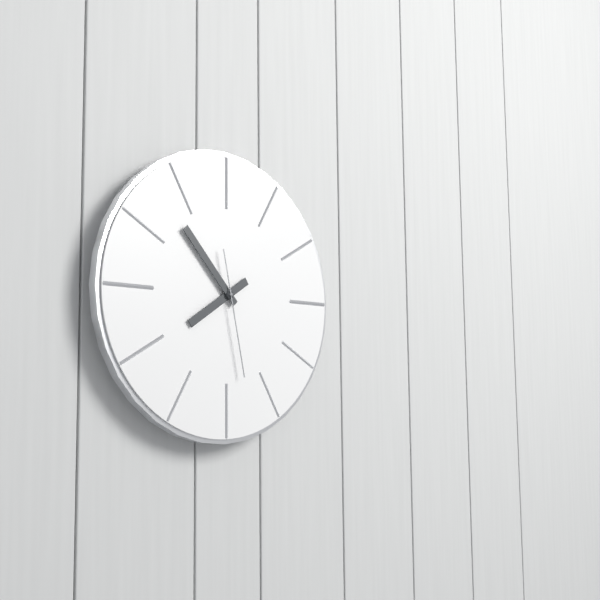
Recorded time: **7:53:28**
